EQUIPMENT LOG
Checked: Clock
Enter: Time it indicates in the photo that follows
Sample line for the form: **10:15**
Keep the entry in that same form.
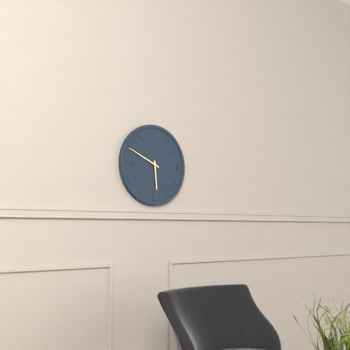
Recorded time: **5:49**
